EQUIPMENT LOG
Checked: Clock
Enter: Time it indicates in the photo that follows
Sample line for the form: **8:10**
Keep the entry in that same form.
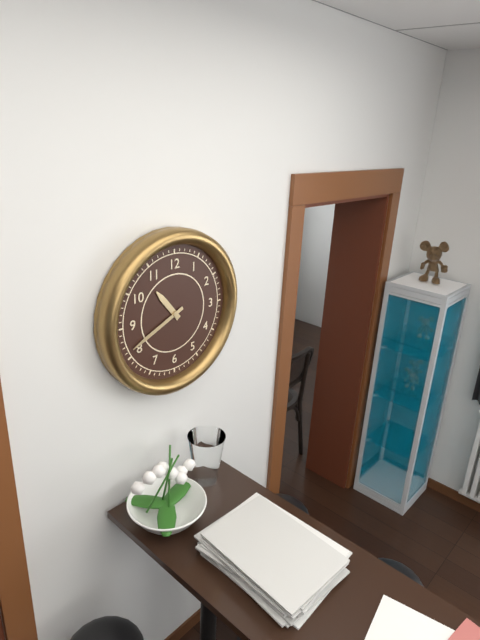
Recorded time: **10:41**
